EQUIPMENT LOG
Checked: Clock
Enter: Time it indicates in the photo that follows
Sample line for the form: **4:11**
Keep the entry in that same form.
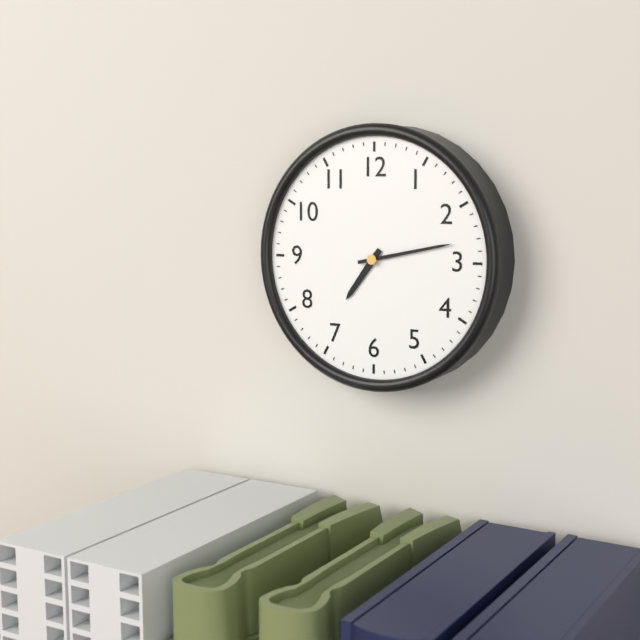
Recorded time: **7:13**
